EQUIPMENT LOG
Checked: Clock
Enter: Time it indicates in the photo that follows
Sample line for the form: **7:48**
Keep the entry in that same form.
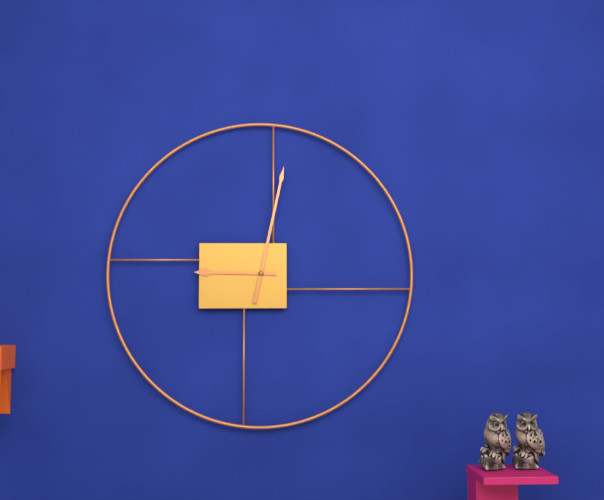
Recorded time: **9:02**
